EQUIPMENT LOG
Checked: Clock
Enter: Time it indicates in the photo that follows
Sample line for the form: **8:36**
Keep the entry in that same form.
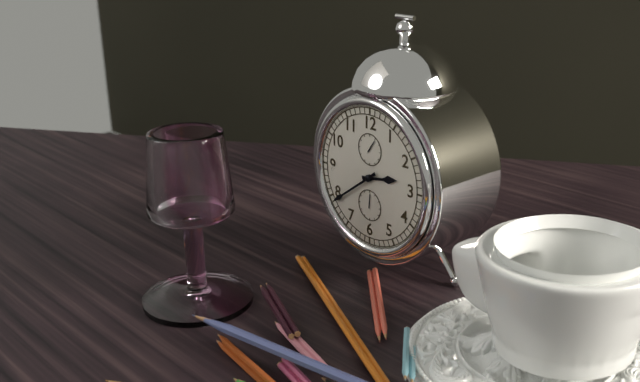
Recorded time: **2:39**
